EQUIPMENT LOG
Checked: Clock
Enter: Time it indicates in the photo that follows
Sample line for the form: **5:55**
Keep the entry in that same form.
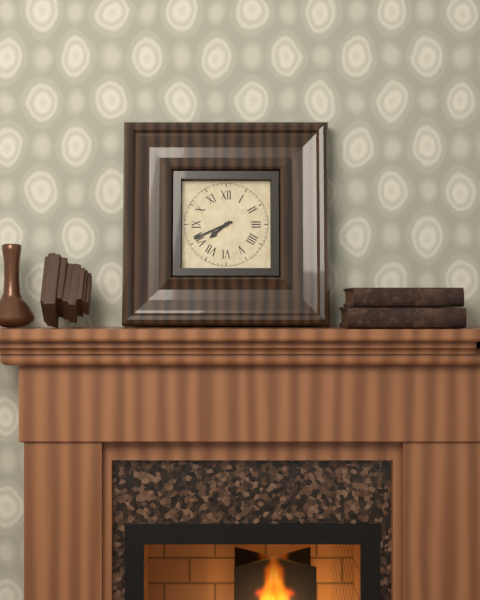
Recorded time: **7:41**
